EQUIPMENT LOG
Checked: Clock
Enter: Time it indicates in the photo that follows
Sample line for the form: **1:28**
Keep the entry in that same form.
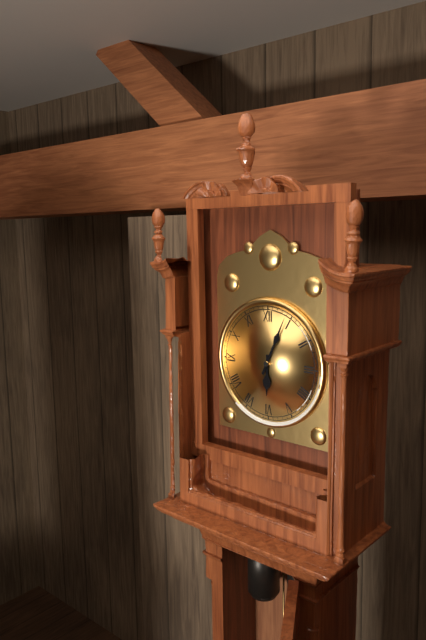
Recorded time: **6:04**
